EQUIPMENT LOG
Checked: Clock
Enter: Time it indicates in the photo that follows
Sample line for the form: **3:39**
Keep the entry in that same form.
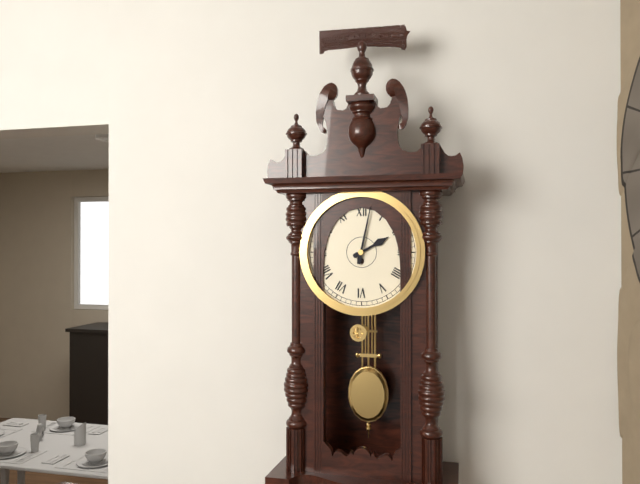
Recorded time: **2:02**
